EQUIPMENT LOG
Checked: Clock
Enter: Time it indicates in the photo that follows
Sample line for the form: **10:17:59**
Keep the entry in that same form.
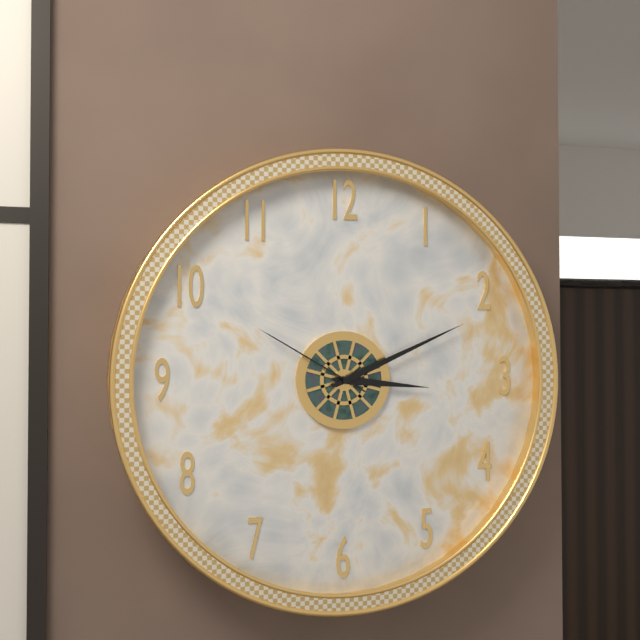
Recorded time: **3:11:50**
